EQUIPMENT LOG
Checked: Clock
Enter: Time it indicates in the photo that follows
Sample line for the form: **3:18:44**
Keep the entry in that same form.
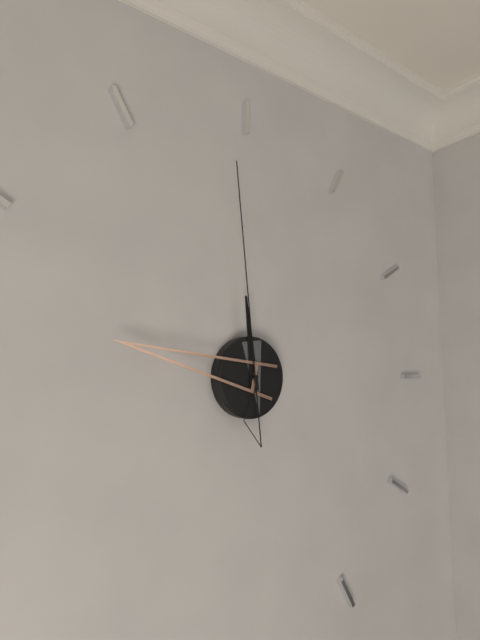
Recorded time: **11:47:59**
